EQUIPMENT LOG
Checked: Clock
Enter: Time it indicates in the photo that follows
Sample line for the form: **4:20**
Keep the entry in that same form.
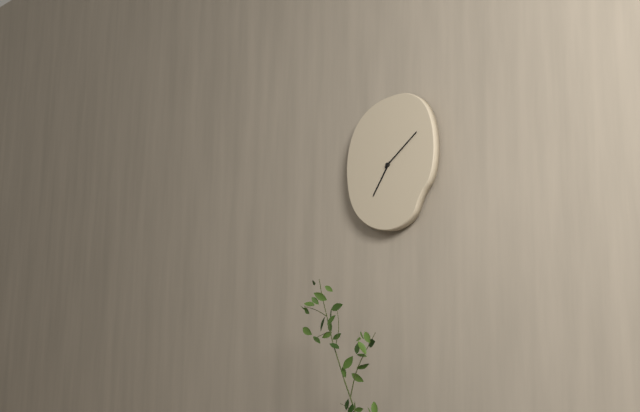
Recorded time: **7:09**
